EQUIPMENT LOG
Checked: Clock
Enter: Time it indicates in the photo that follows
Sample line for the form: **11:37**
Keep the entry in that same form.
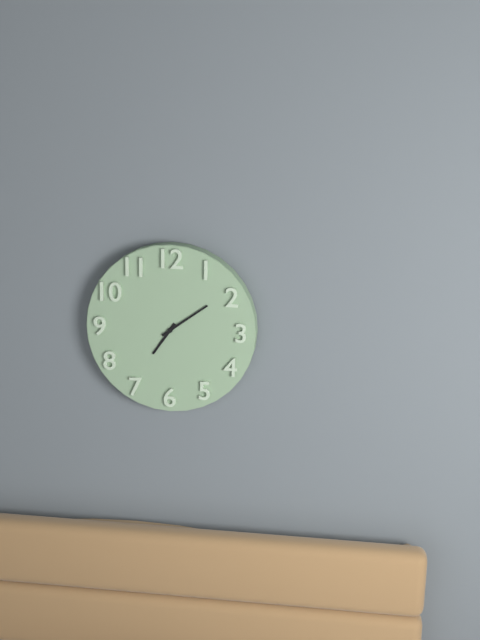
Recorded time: **7:09**
